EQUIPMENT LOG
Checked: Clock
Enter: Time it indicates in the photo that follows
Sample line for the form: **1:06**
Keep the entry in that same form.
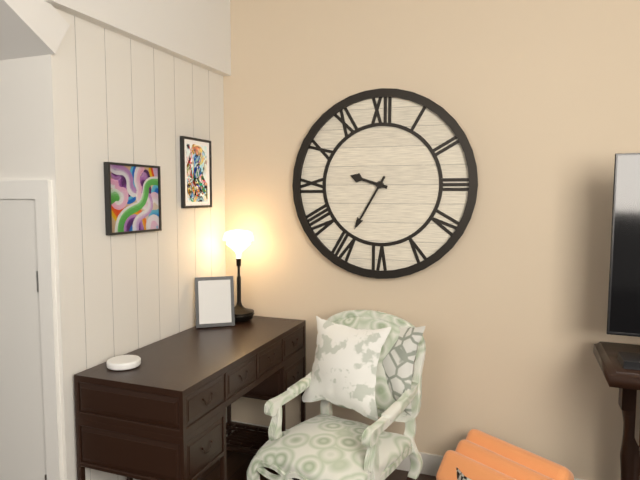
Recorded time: **9:35**
